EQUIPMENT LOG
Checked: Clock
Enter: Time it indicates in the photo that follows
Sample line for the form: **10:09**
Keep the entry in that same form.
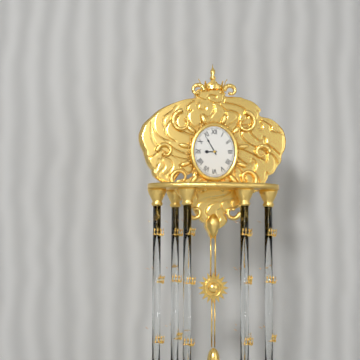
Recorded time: **8:55**
